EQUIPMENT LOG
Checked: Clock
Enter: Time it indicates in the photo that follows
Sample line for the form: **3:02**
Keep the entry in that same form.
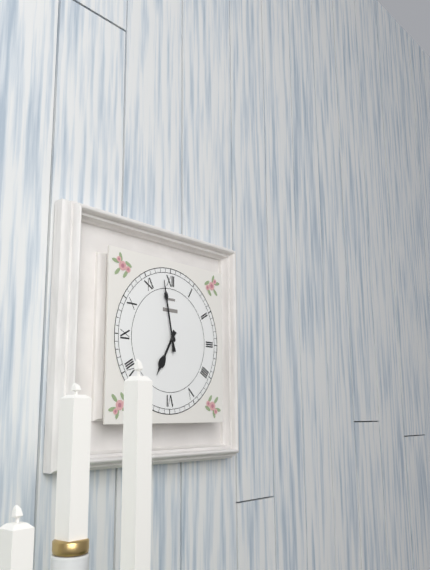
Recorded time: **6:58**
